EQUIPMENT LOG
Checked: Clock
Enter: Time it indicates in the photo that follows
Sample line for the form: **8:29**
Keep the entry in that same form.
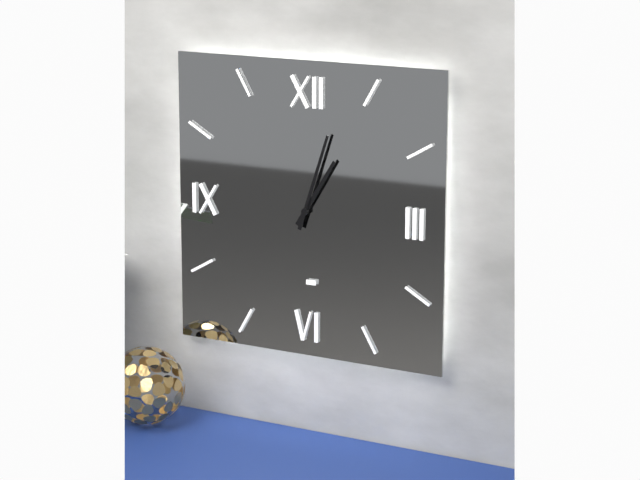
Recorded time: **1:03**
